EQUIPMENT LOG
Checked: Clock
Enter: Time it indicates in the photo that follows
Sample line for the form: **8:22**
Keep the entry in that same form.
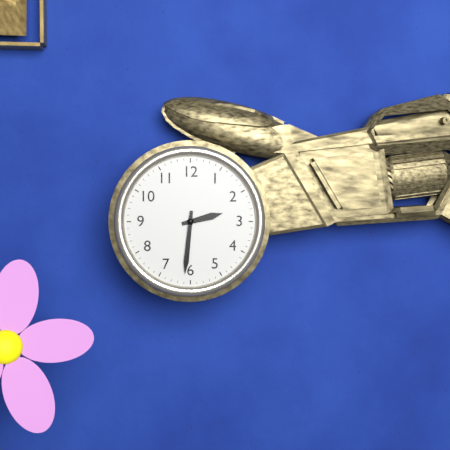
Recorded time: **2:31**
